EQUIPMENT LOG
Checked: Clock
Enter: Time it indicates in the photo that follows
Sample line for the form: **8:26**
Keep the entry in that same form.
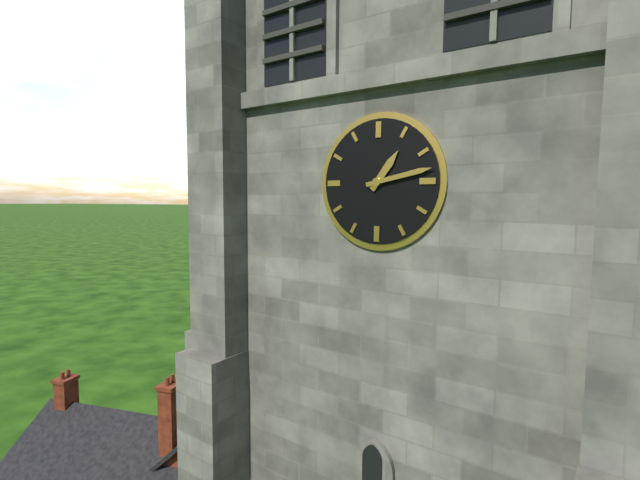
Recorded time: **1:13**
